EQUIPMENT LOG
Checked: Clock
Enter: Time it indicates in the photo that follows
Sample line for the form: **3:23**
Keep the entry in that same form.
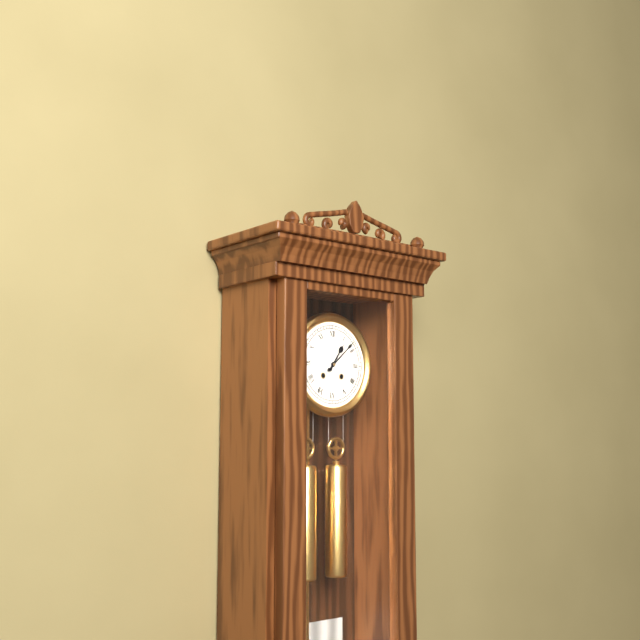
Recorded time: **1:08**
